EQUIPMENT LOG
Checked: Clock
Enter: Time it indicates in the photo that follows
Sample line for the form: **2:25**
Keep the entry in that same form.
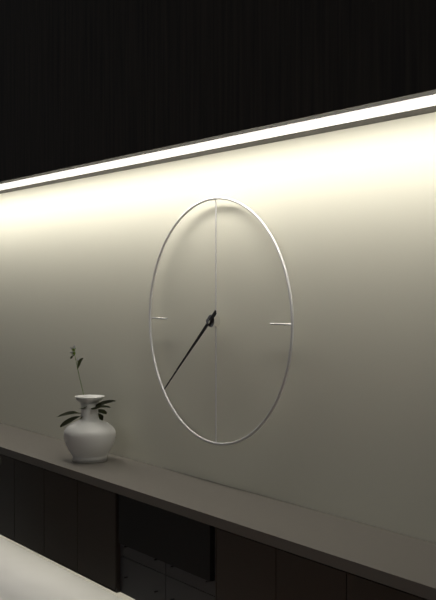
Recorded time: **7:38**
